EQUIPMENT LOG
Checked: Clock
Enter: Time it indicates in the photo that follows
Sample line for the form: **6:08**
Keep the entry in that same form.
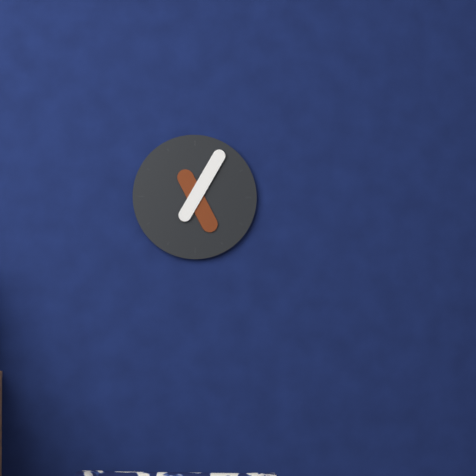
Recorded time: **5:05**
